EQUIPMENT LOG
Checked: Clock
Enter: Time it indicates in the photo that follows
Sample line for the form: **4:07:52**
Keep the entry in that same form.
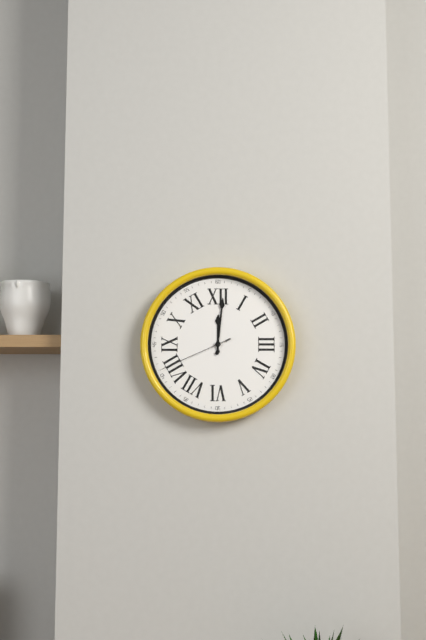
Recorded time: **12:01:41**
